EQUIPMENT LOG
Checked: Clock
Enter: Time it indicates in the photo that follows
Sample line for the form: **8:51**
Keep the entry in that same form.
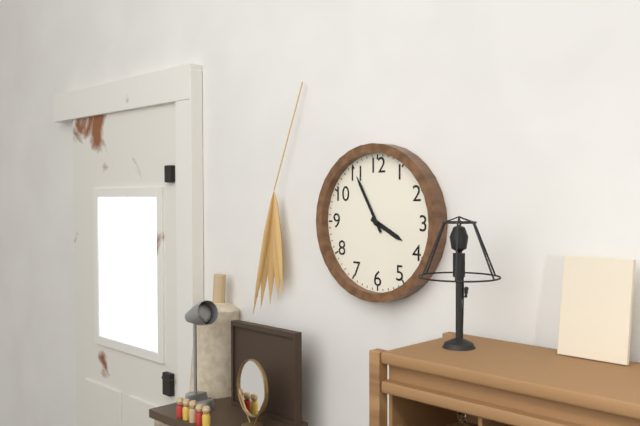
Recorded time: **3:55**
